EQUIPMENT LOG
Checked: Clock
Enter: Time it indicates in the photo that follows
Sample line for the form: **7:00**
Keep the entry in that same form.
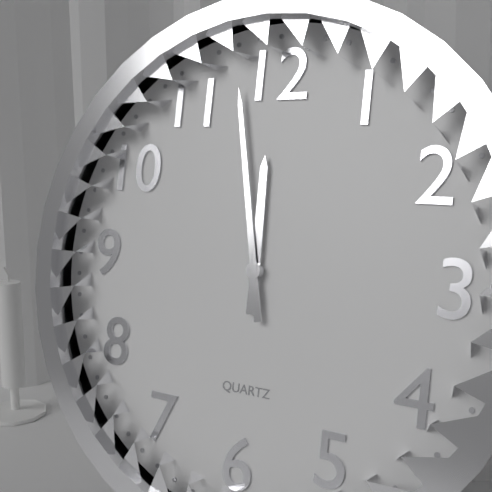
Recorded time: **11:58**
